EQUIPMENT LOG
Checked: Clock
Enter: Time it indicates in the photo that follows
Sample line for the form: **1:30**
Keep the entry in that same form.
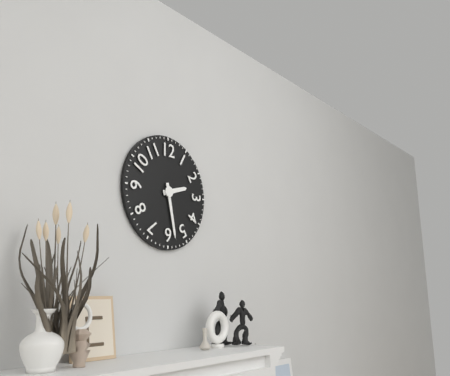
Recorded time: **2:28**
